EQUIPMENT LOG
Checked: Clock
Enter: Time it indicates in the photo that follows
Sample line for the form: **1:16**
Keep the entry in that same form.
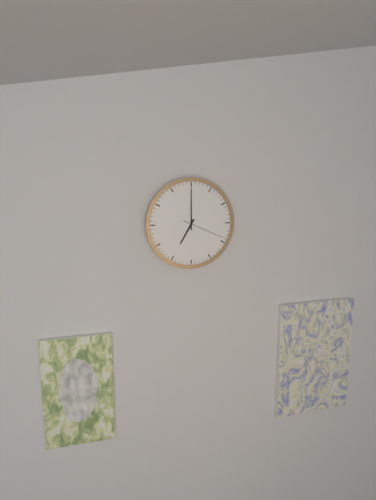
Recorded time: **7:00**
